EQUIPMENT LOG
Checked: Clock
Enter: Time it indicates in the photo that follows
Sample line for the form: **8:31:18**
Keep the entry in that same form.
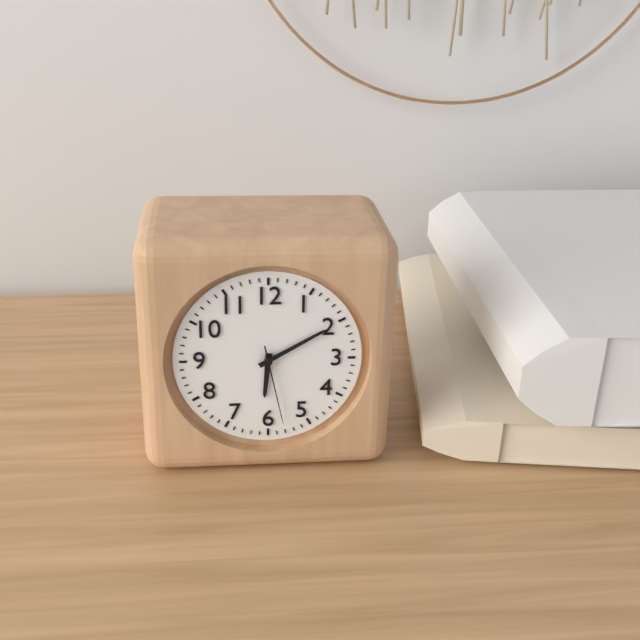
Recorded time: **6:10:28**
